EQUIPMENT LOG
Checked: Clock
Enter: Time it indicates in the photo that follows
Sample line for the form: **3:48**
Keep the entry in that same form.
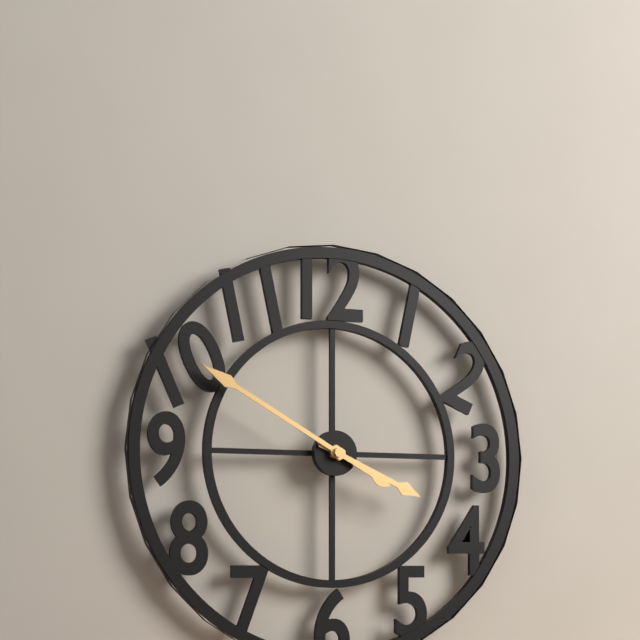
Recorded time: **3:50**
